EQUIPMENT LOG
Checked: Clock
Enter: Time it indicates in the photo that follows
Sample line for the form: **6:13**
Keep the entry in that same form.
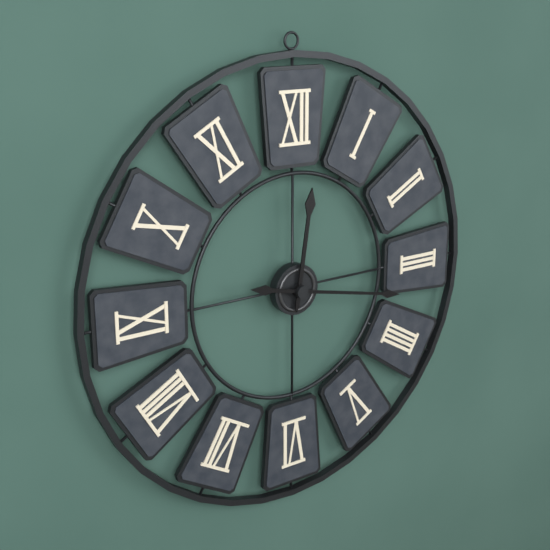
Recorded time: **12:17**
